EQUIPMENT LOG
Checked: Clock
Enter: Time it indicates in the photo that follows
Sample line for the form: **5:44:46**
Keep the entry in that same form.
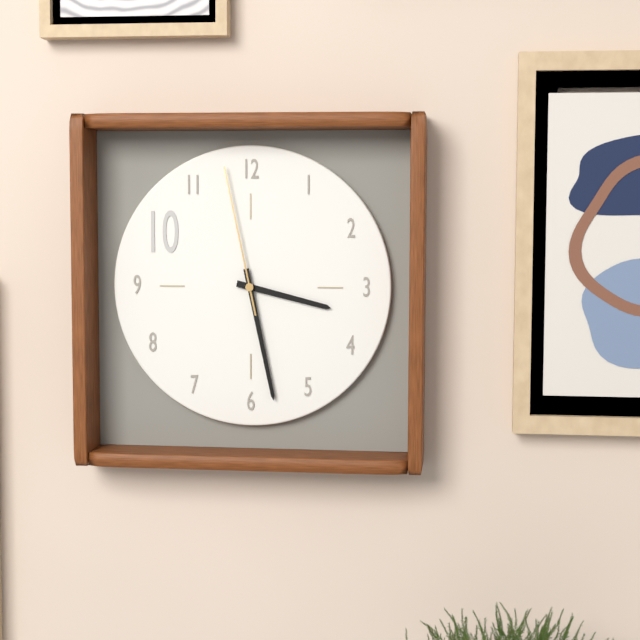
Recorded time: **3:28:58**
